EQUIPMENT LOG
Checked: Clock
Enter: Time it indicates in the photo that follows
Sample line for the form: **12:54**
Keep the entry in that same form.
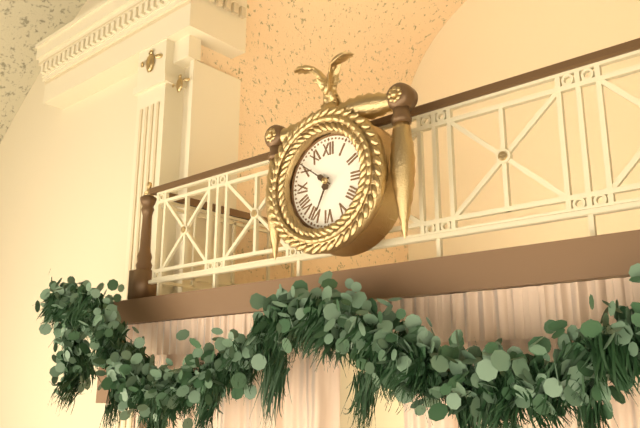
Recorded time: **6:51**
